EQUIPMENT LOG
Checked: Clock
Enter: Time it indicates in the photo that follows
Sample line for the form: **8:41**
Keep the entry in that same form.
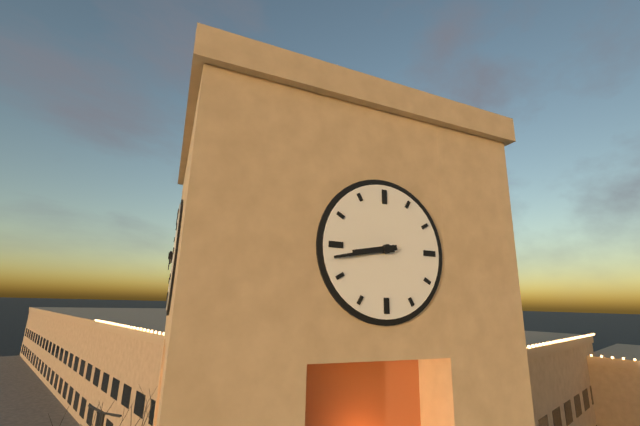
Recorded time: **8:43**
